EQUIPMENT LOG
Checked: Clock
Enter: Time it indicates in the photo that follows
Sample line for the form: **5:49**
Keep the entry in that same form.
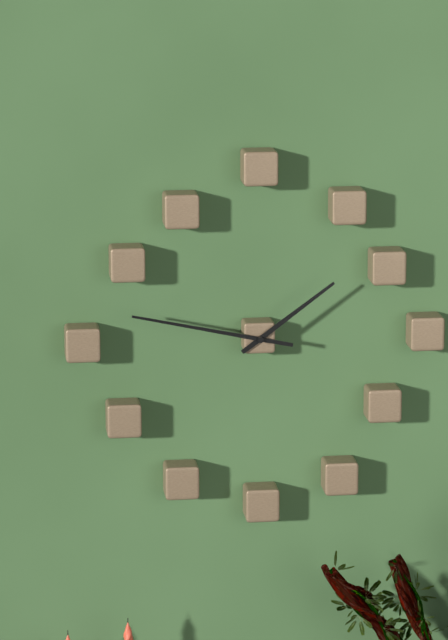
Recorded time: **1:47**
